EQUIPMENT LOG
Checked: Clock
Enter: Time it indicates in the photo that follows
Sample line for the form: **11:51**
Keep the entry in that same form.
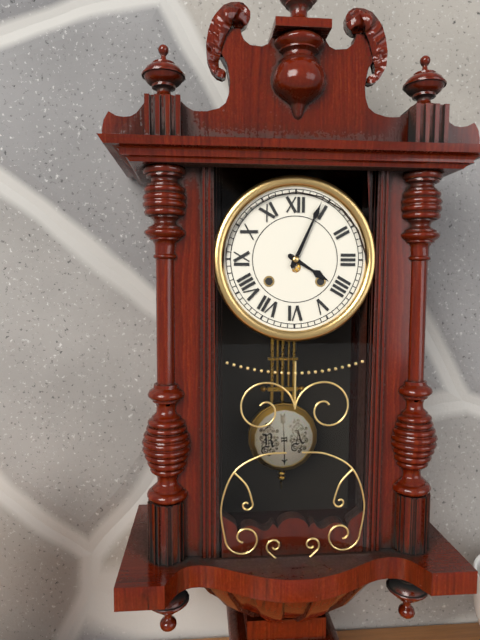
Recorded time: **4:04**
